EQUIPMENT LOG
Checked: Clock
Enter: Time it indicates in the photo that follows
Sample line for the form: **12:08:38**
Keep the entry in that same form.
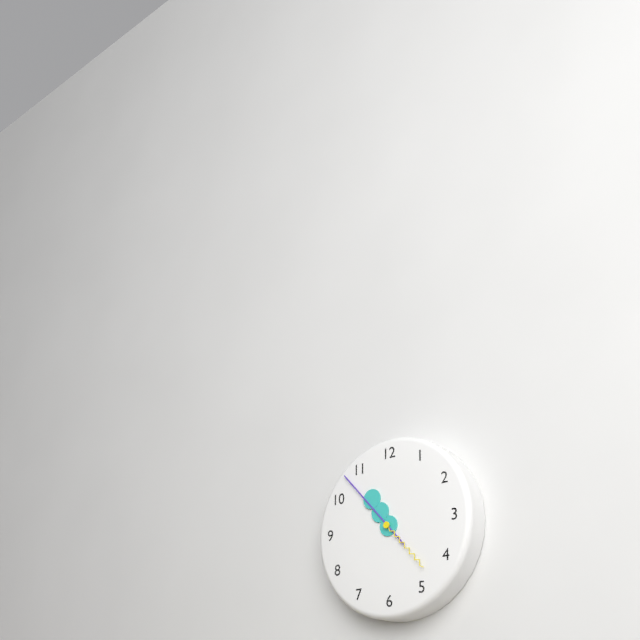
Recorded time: **10:53:23**
